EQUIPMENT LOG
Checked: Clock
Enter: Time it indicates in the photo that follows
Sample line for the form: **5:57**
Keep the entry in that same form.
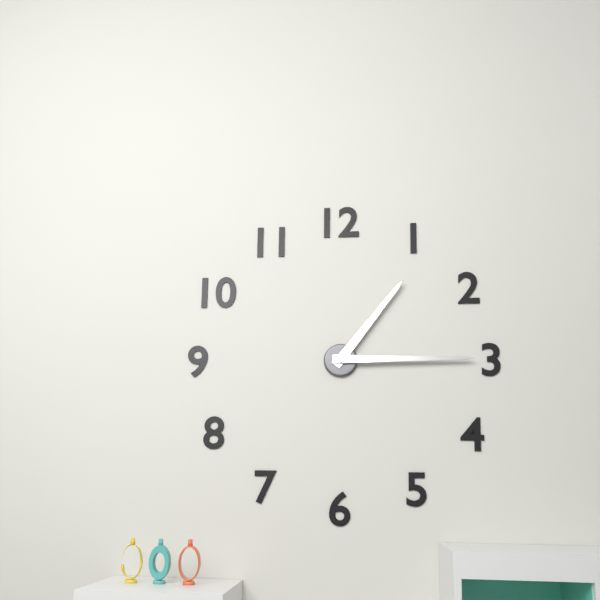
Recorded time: **1:15**
